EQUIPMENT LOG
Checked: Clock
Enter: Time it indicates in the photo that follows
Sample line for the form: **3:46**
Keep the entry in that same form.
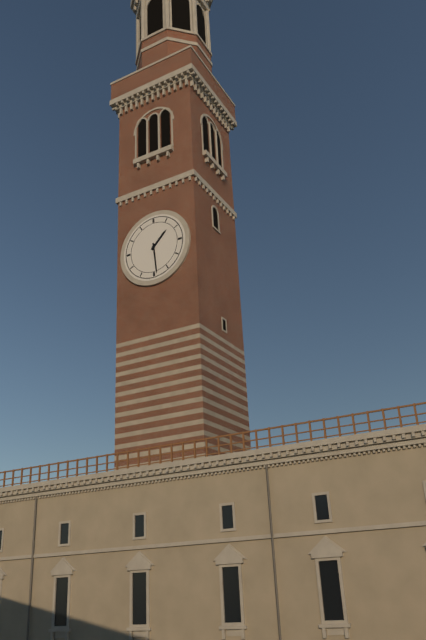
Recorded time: **1:29**
